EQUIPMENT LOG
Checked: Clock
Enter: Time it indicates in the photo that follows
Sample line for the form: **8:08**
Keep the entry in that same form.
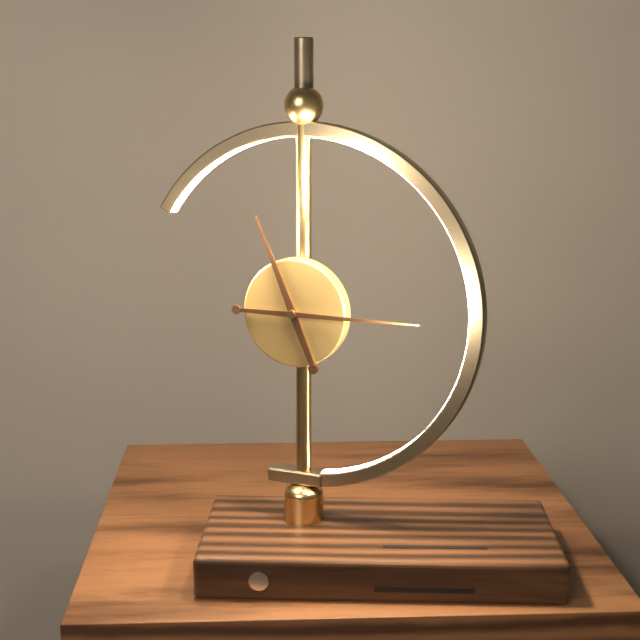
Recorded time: **11:15**
